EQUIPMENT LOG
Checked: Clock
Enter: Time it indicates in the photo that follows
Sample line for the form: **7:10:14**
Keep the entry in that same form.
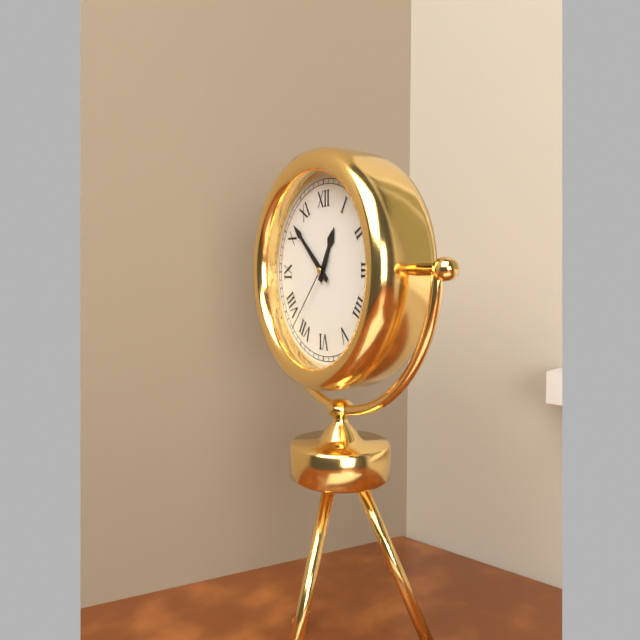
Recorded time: **12:52:37**
